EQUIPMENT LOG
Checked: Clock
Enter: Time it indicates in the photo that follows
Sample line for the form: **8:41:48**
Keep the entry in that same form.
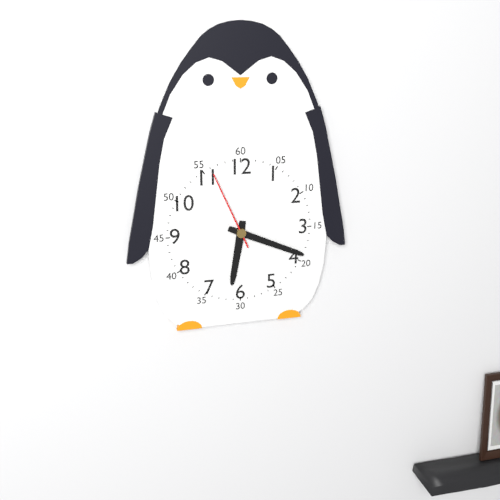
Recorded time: **6:19:56**
